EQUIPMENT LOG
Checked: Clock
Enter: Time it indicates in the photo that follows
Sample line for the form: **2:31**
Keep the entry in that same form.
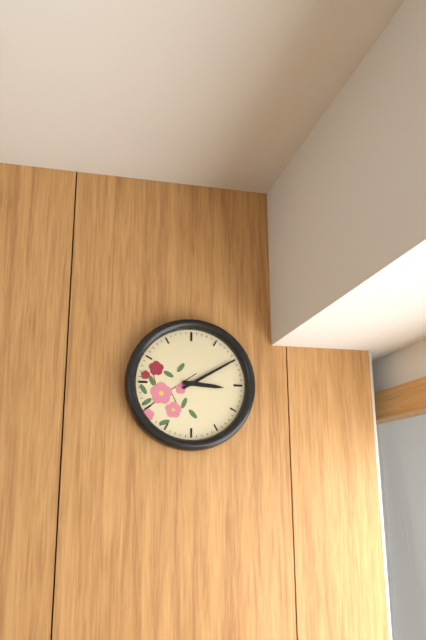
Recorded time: **3:10**
